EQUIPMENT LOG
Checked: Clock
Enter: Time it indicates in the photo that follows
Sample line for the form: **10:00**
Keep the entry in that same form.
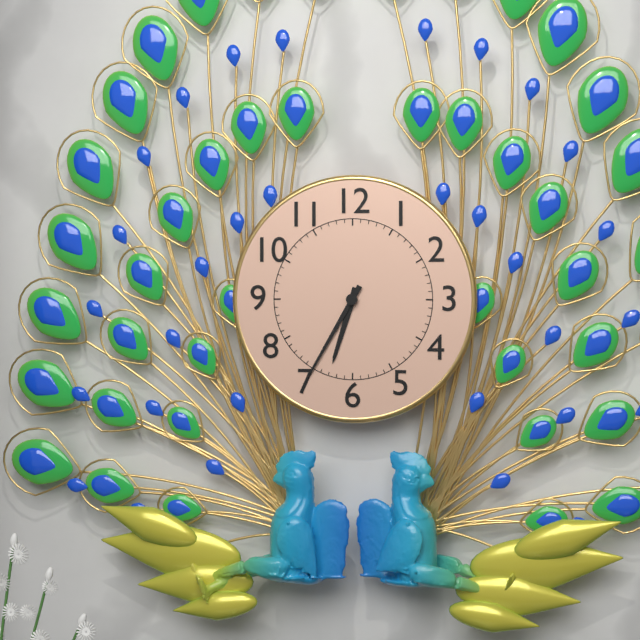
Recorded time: **6:35**
